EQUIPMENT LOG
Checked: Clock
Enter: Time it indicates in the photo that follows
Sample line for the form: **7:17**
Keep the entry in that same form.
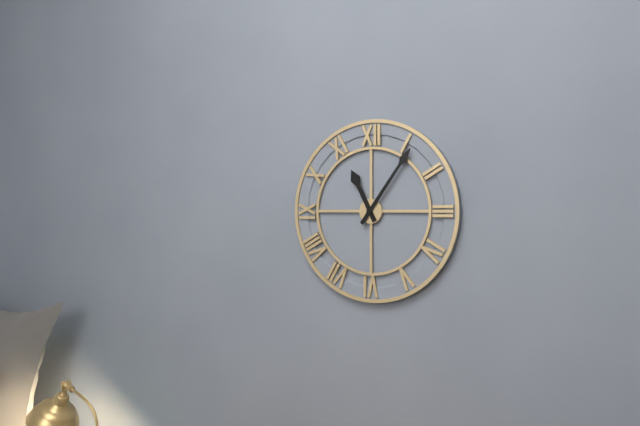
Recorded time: **11:06**
